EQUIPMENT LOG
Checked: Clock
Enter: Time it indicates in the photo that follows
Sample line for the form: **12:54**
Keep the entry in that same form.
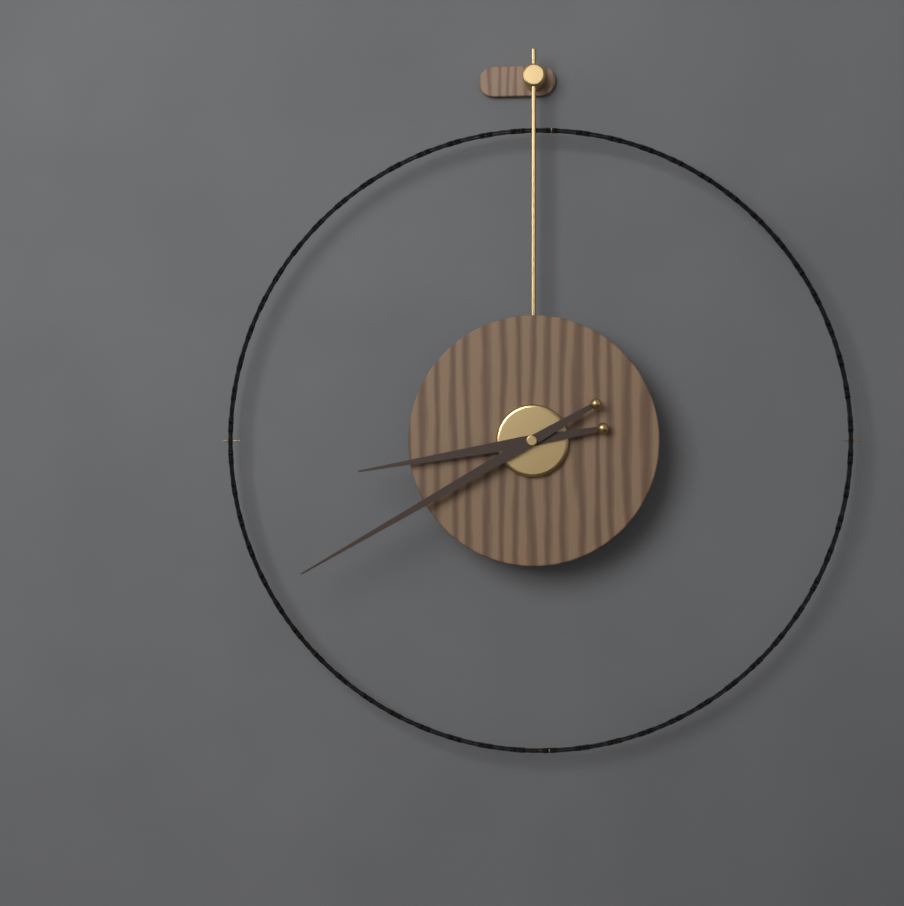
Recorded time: **8:40**
